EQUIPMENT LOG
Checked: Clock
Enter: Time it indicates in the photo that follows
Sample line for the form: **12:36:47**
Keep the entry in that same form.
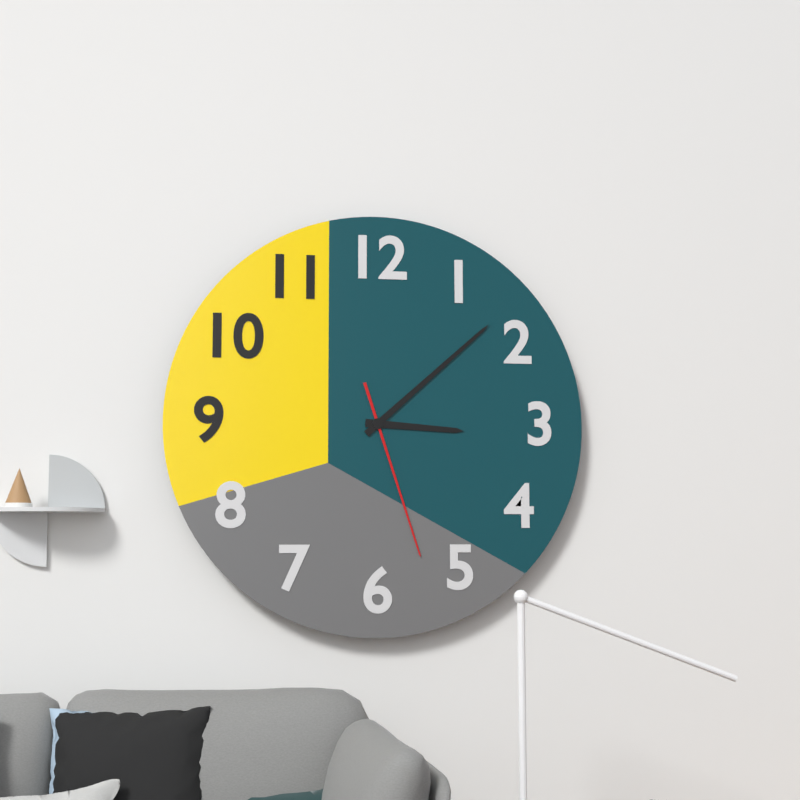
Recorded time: **3:08:27**
